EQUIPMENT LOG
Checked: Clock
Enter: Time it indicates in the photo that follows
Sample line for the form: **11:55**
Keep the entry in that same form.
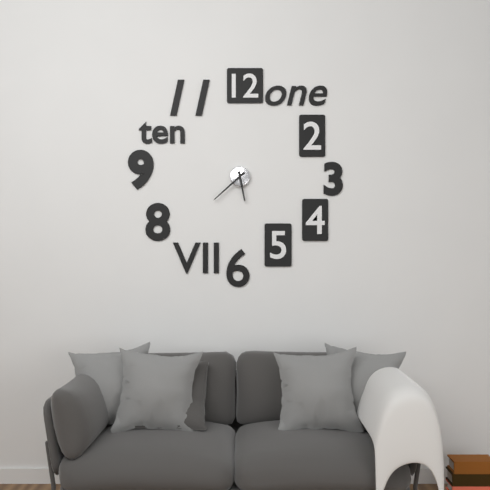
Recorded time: **5:38**
